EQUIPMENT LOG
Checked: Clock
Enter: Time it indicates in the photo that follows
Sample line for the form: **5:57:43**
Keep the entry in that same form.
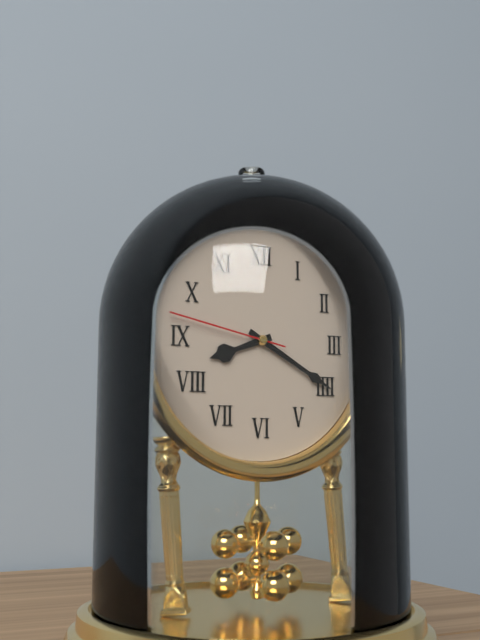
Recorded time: **8:20:47**
